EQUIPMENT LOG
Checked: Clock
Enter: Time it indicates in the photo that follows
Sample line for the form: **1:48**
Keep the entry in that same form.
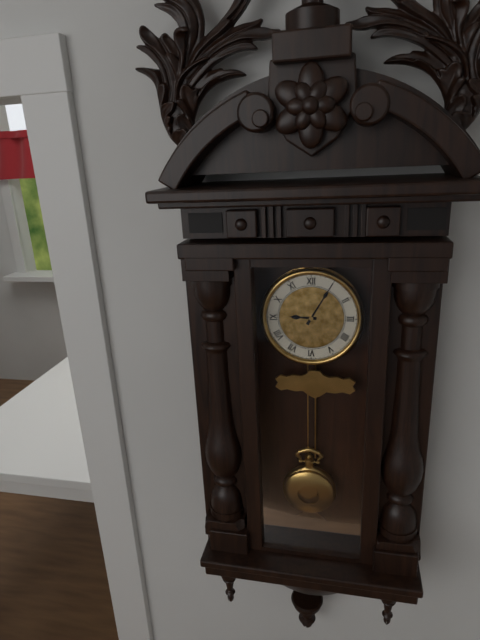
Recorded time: **9:05**
